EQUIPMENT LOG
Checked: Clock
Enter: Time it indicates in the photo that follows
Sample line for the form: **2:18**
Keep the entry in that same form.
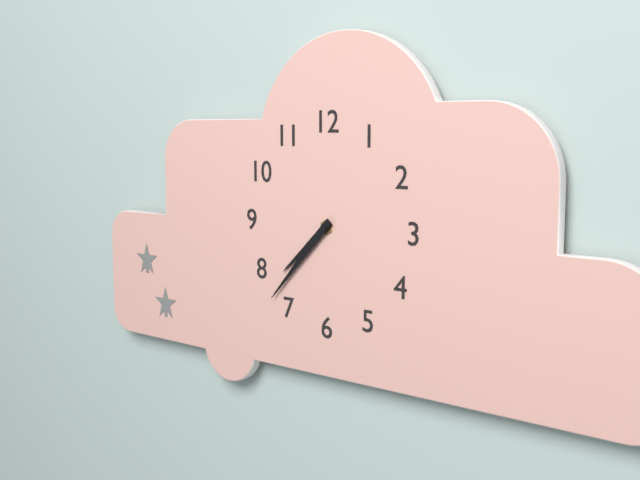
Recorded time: **7:37**
